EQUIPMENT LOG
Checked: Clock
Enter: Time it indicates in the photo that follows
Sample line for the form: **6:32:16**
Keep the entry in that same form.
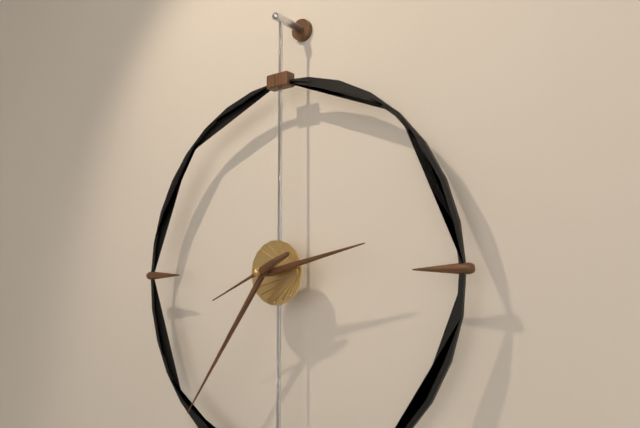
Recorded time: **2:36:41**
